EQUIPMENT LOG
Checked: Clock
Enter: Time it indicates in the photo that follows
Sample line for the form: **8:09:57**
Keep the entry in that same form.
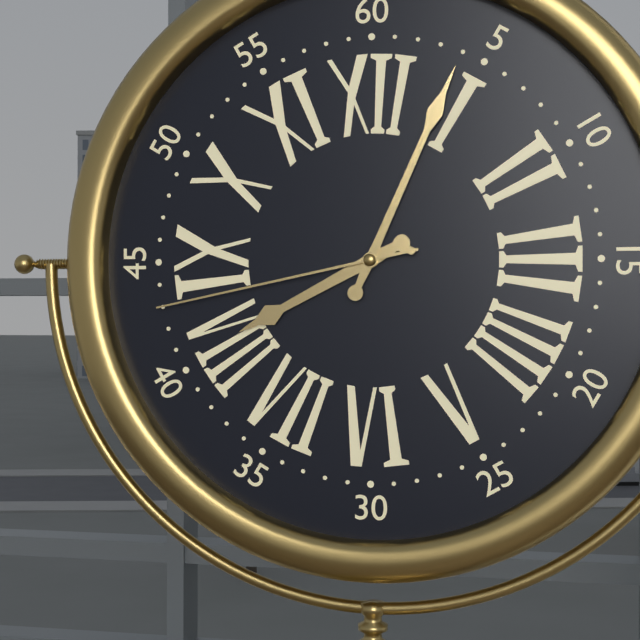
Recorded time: **8:04:43**
